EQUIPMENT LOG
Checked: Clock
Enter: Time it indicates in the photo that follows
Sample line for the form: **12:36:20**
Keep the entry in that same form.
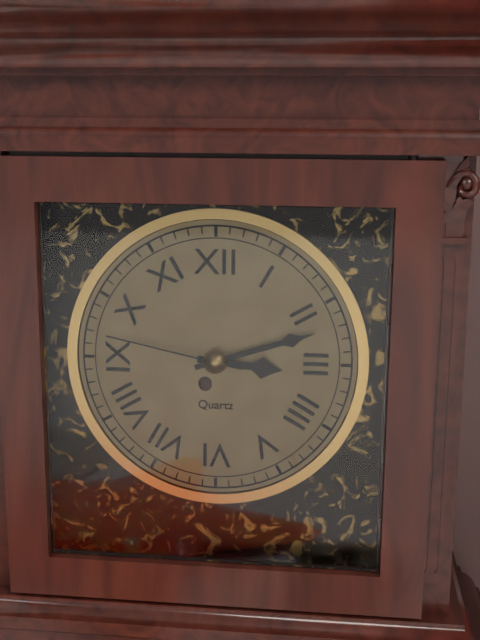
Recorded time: **3:12:47**
